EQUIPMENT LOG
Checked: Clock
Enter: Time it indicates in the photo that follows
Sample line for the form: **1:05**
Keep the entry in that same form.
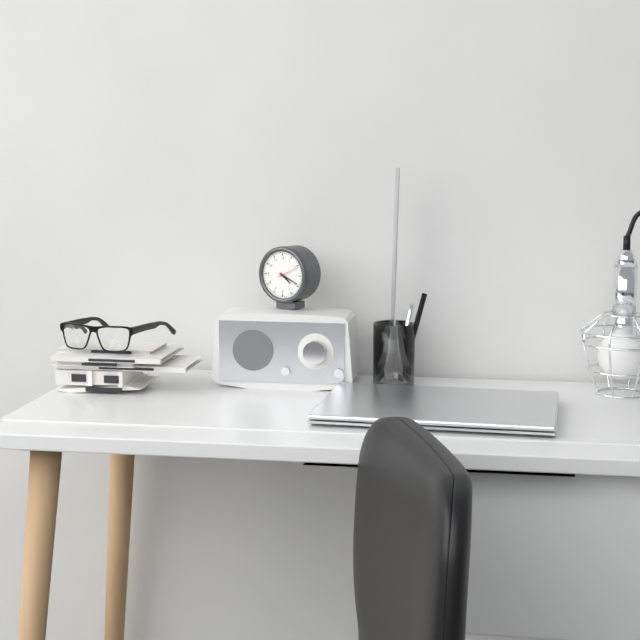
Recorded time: **4:19**
